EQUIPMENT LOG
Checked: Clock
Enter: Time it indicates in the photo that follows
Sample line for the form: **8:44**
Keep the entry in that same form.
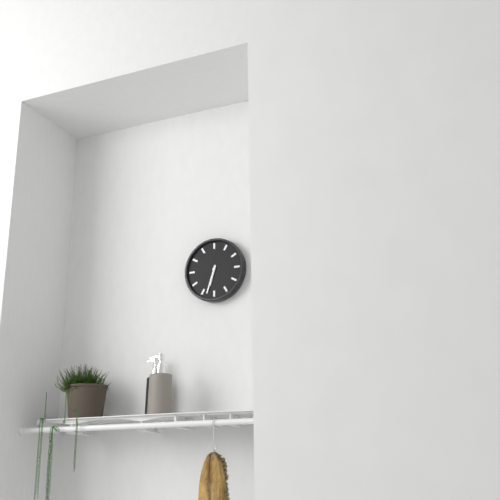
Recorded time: **6:33**
